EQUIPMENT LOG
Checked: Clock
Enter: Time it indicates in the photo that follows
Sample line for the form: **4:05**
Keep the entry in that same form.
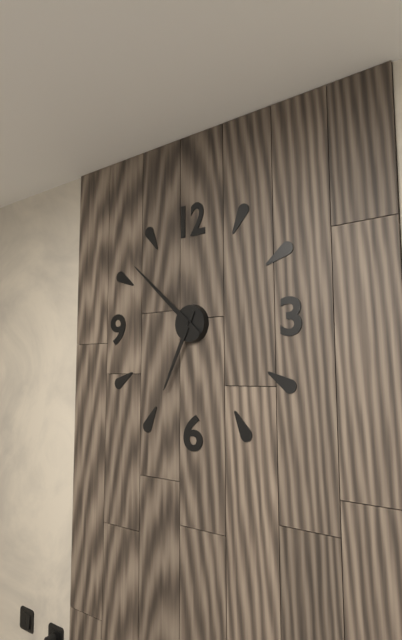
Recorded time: **6:52**
